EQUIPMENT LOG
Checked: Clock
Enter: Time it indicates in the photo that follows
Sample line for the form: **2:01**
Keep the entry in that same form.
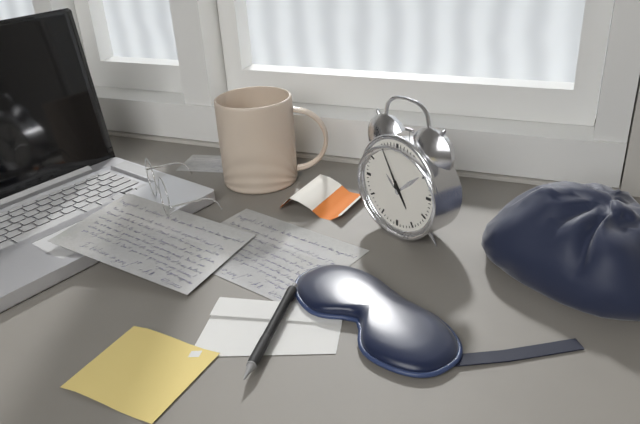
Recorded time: **4:55**
